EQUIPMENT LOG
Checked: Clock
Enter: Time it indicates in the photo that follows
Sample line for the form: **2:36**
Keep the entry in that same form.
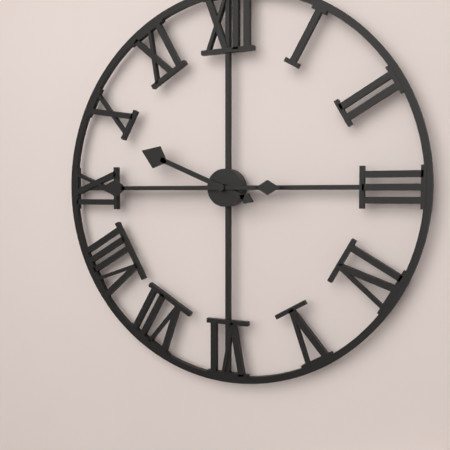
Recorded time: **9:45**
